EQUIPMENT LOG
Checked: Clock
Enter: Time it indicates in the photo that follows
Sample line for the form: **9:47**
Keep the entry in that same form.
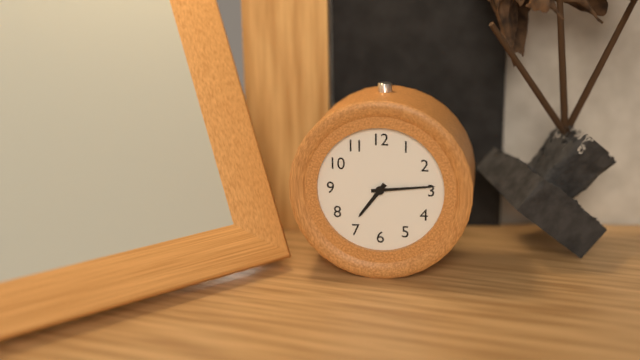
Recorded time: **7:14**
